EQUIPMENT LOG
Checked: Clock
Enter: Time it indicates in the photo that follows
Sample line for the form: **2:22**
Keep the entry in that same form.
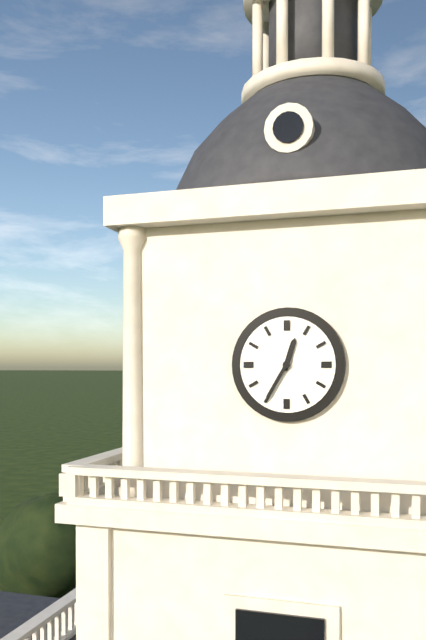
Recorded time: **12:35**
